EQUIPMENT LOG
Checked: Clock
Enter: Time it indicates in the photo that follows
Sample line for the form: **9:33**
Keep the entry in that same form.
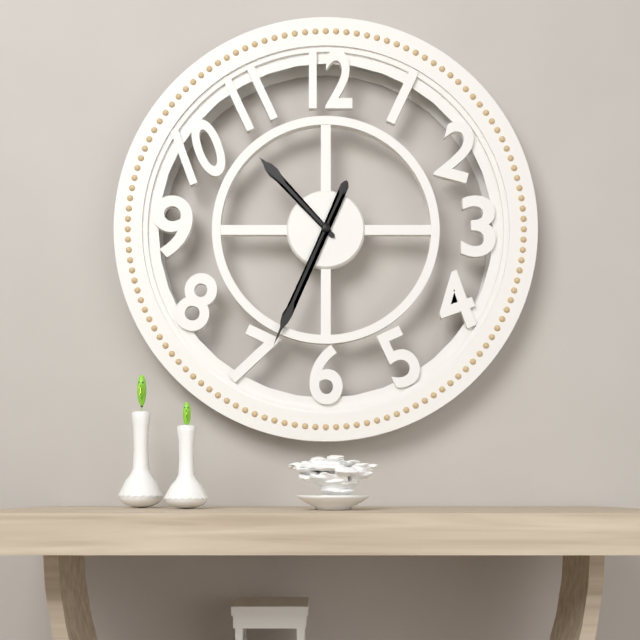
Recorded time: **10:34**
